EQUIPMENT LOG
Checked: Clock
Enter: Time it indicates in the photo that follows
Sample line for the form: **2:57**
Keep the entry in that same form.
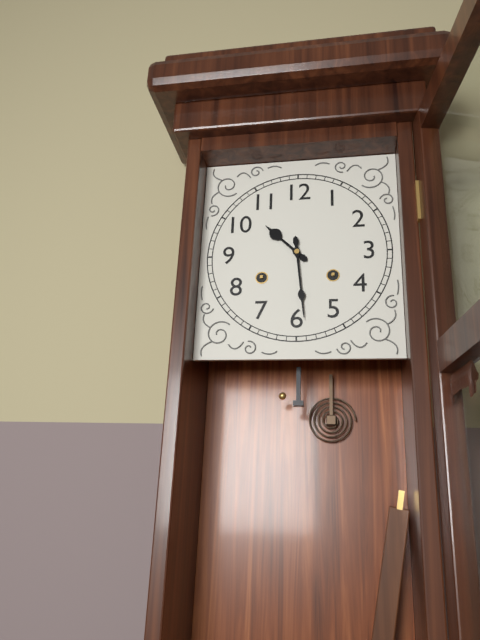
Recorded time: **10:29**
